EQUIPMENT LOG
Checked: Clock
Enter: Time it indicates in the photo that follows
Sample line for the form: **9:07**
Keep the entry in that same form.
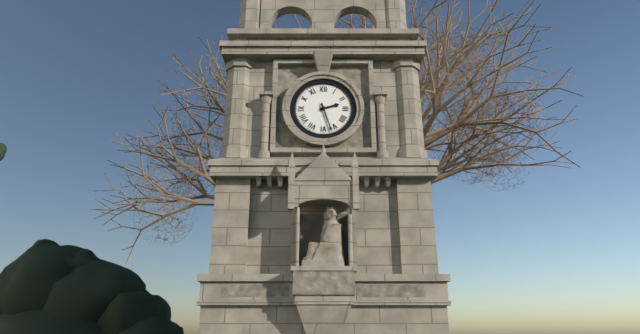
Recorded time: **2:27**
